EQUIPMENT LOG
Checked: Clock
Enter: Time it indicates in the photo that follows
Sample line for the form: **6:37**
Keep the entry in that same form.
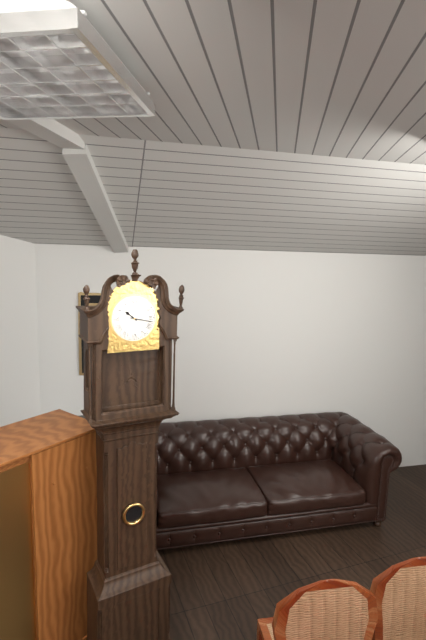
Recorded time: **10:17**
